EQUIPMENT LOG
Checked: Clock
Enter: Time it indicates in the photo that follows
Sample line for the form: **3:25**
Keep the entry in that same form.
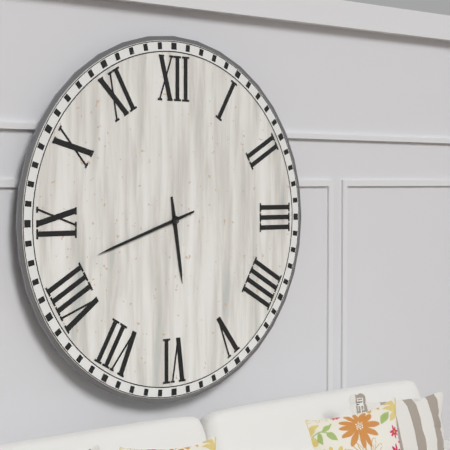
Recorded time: **5:42**
